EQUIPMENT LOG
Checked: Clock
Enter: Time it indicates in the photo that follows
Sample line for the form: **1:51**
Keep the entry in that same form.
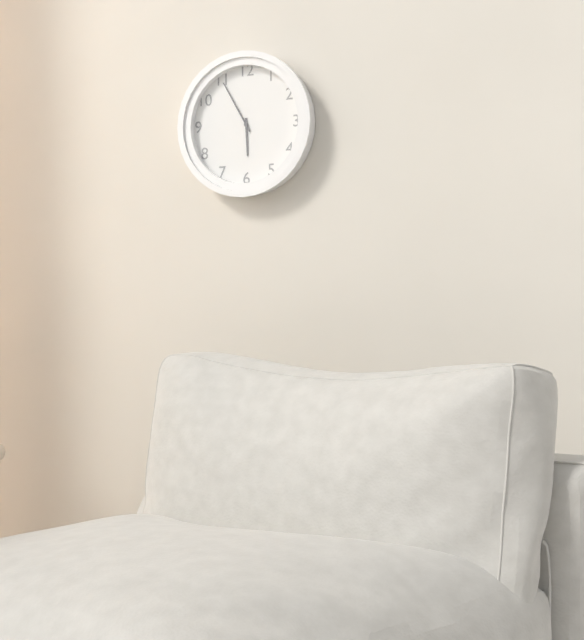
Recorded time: **5:55**
